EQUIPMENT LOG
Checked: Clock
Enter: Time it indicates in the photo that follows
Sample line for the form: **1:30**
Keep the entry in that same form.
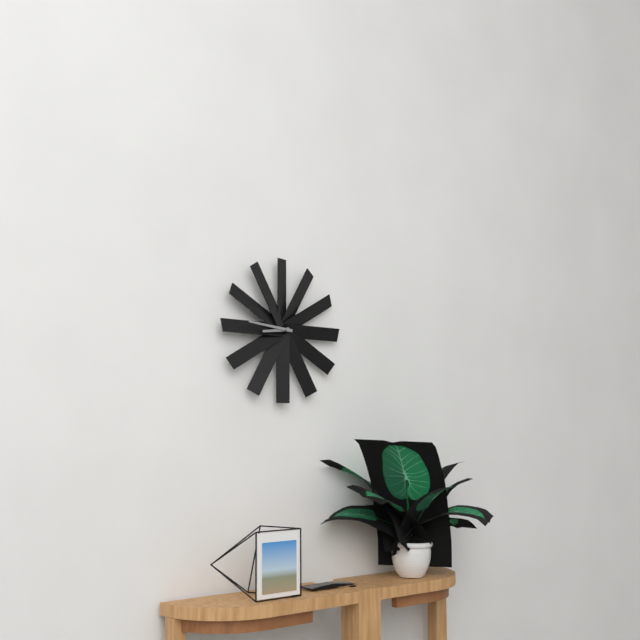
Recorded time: **8:46**
